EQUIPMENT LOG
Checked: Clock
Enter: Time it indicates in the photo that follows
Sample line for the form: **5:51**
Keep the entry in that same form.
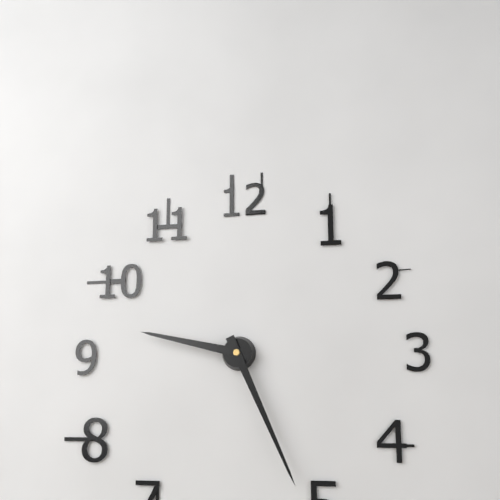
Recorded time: **9:26**
